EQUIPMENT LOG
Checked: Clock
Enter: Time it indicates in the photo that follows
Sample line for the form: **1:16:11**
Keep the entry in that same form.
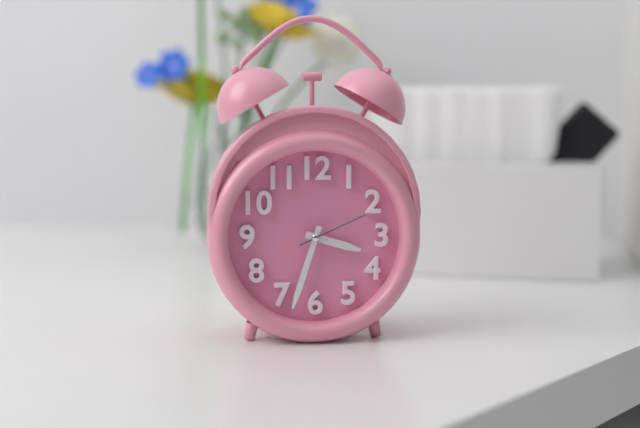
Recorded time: **3:33:11**
